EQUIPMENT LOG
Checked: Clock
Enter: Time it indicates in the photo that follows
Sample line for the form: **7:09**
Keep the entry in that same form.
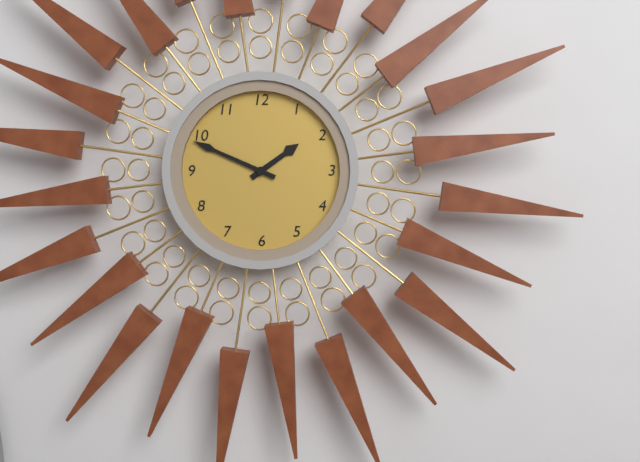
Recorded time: **1:49**
